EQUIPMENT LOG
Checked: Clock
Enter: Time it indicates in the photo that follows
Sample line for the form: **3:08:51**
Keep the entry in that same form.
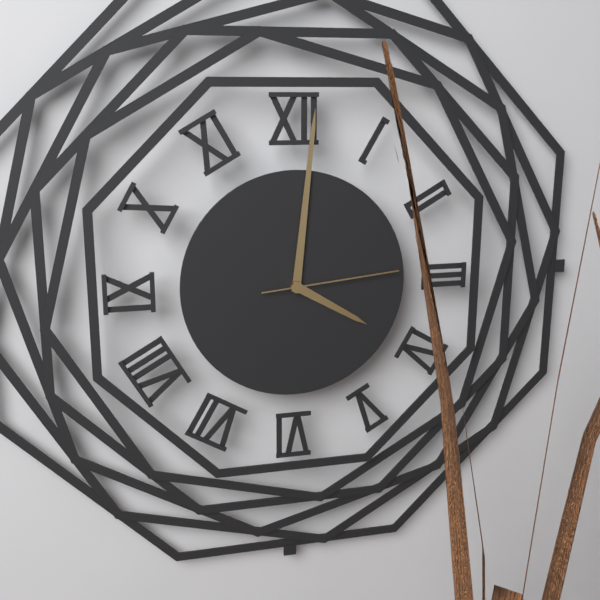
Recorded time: **4:01:14**
